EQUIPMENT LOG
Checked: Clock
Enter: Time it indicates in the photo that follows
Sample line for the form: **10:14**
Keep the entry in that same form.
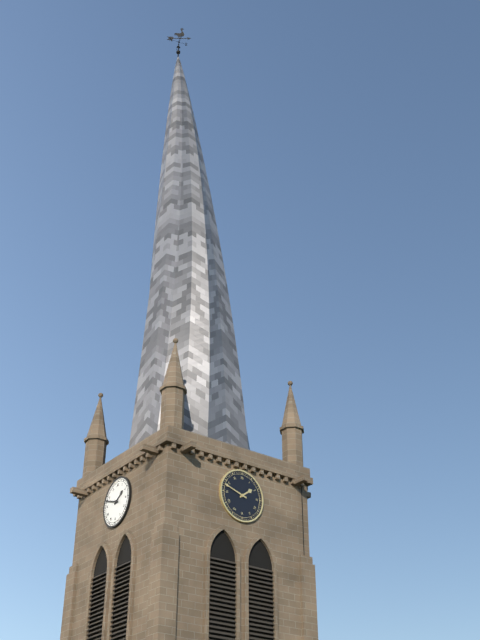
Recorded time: **1:48**
